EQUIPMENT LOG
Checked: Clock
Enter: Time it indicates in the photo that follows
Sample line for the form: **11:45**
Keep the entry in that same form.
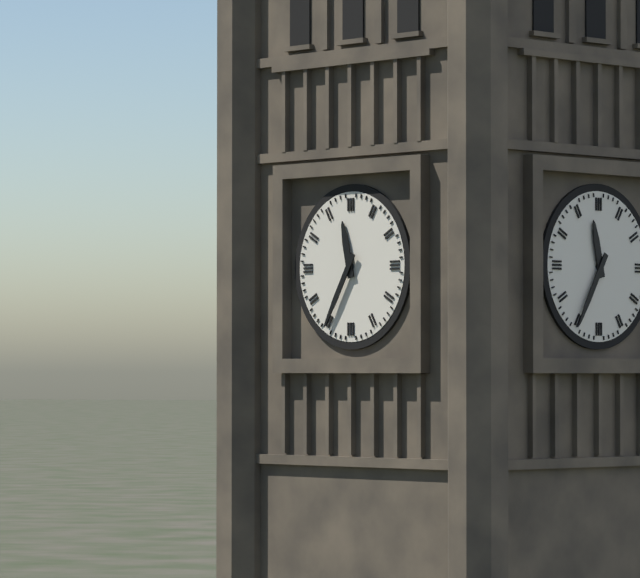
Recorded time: **11:35**
